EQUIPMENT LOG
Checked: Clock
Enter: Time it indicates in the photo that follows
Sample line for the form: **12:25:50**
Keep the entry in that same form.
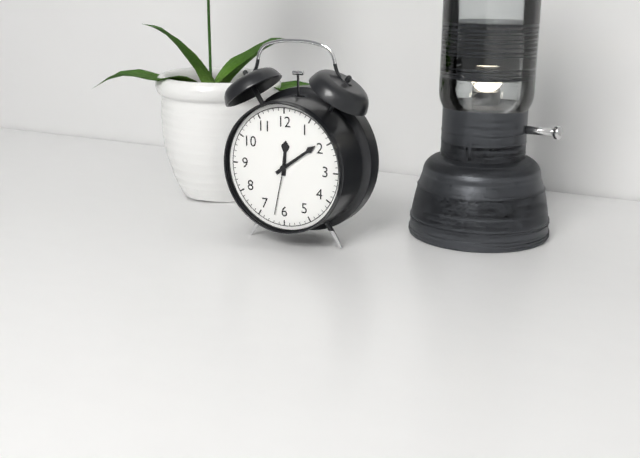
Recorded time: **12:09:32**
